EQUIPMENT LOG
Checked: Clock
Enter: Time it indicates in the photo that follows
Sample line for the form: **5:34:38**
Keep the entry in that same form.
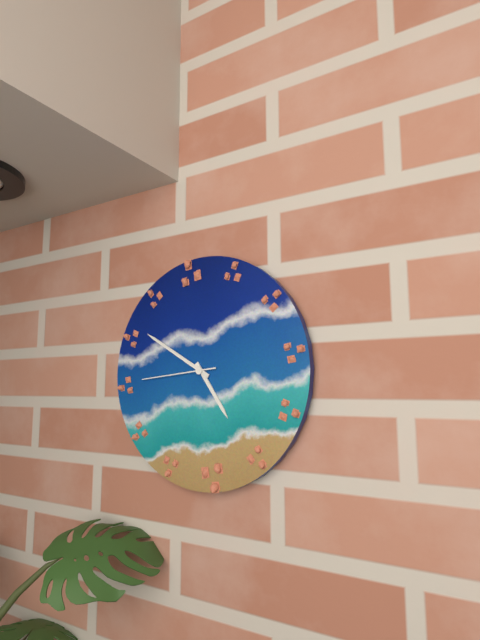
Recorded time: **4:50:44**
